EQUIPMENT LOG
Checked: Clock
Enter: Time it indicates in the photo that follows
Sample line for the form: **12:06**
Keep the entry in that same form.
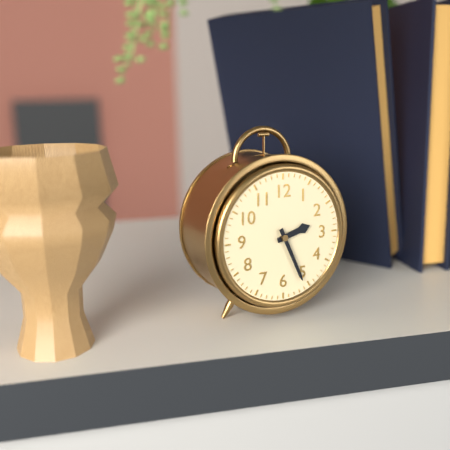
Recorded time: **2:26**
